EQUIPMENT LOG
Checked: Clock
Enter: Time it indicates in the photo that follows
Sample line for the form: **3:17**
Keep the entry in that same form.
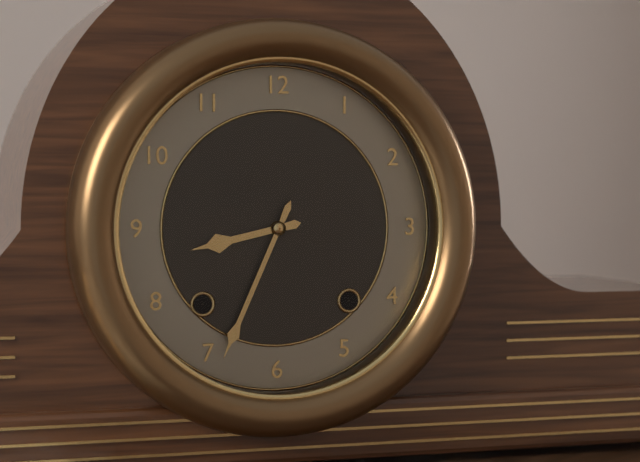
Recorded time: **8:34**
